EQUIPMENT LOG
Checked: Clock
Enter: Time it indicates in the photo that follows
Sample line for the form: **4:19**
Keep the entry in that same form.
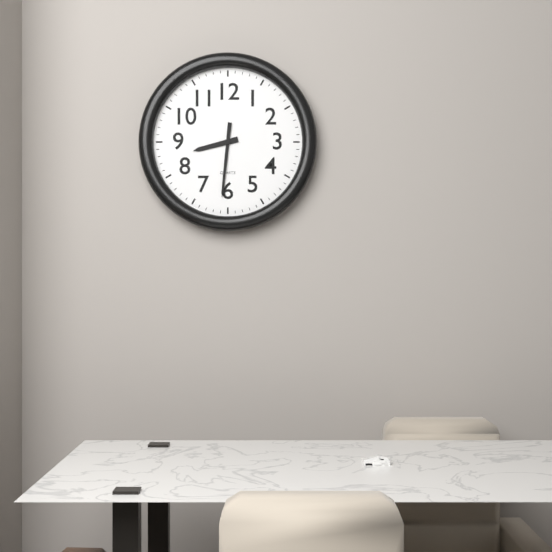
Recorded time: **8:31**
